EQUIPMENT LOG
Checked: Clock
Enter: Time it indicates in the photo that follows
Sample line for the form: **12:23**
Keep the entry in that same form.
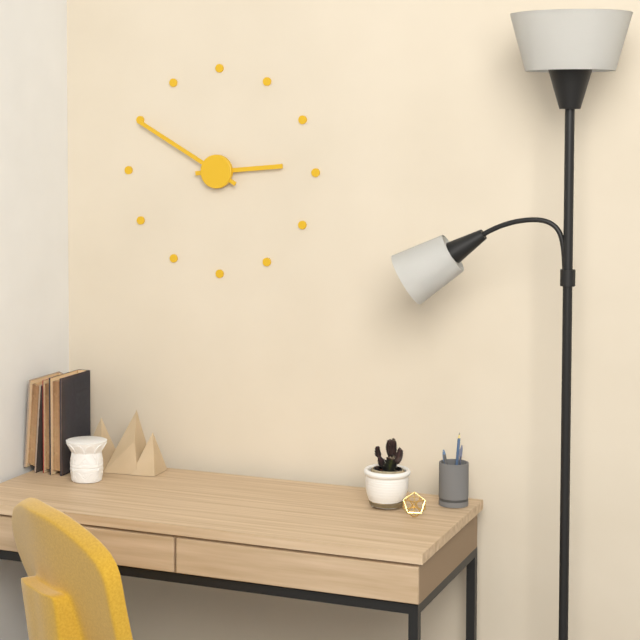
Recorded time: **2:50**
